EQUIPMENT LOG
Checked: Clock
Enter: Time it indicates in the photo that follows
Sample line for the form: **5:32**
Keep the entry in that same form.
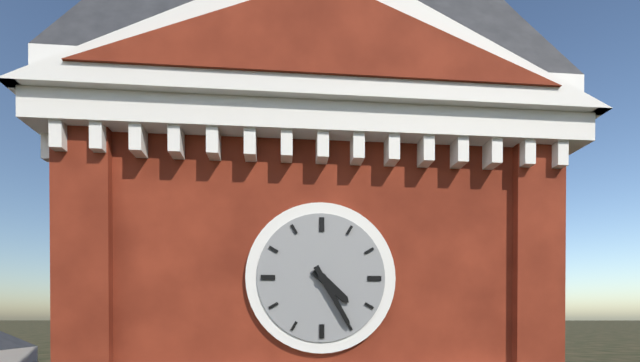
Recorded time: **4:25**
